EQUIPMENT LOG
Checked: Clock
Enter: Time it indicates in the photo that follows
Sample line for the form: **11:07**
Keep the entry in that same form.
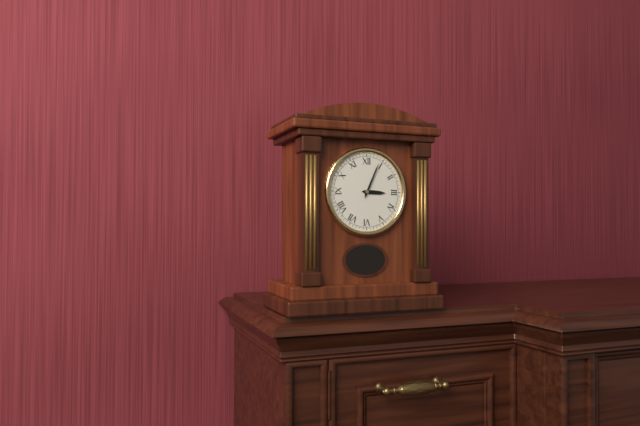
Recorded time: **3:04**
